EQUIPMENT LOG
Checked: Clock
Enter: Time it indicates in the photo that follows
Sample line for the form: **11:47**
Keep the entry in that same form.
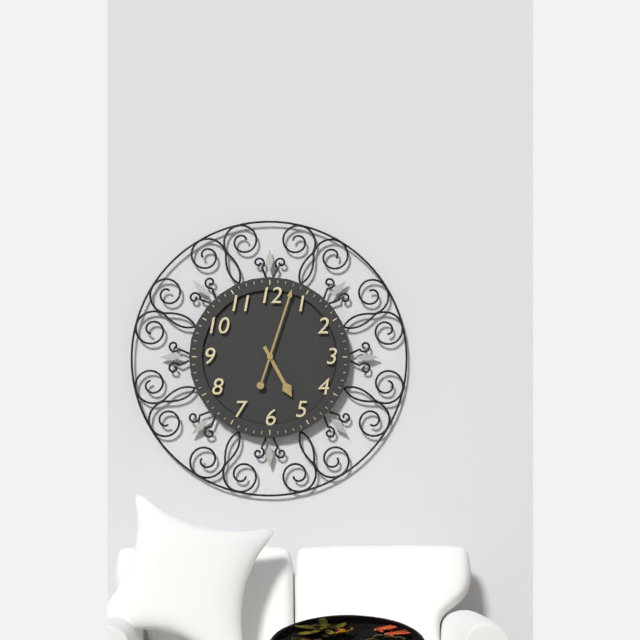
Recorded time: **5:03**
